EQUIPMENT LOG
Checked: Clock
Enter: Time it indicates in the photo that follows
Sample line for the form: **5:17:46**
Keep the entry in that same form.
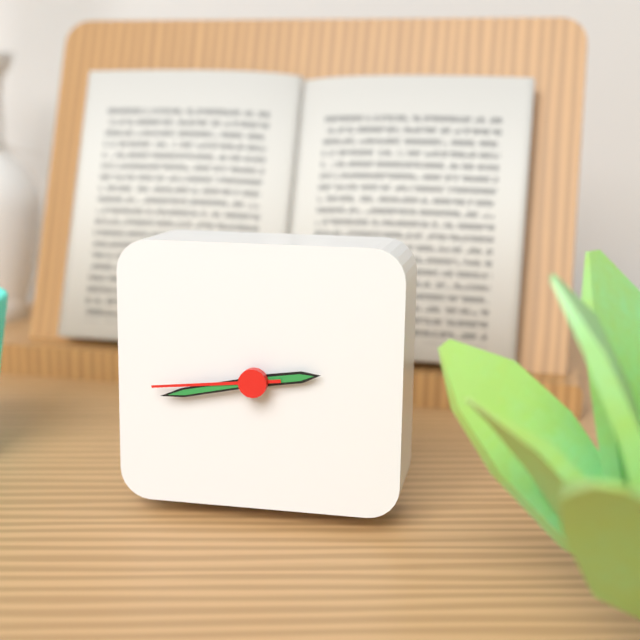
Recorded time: **2:43:44**
